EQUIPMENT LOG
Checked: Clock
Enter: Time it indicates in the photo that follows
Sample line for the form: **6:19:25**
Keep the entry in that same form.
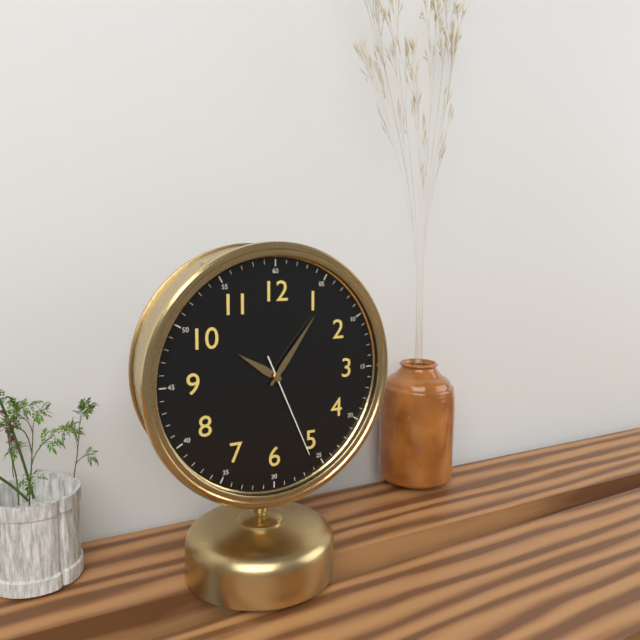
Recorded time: **10:06:26**
